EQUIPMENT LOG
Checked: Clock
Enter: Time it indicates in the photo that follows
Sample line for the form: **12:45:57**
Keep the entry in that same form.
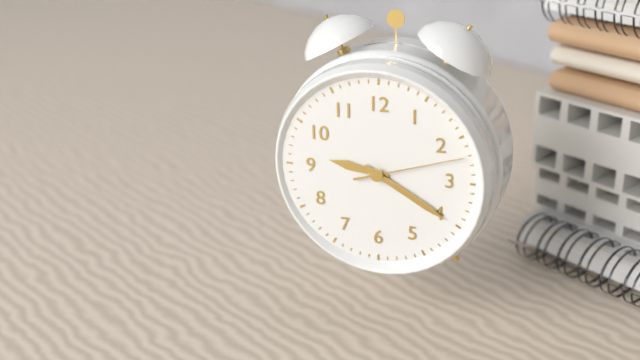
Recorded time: **9:20:12**
